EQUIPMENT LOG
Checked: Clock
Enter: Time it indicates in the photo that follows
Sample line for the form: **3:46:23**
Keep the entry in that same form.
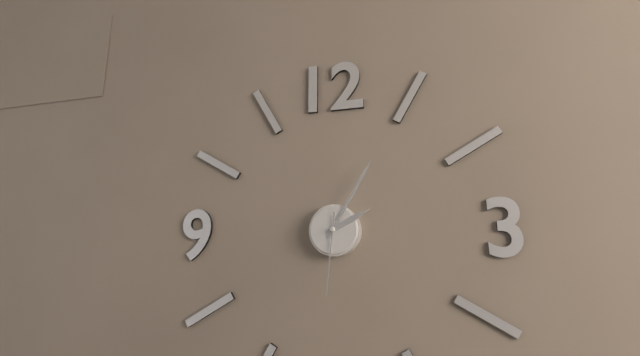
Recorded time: **2:05:31**
